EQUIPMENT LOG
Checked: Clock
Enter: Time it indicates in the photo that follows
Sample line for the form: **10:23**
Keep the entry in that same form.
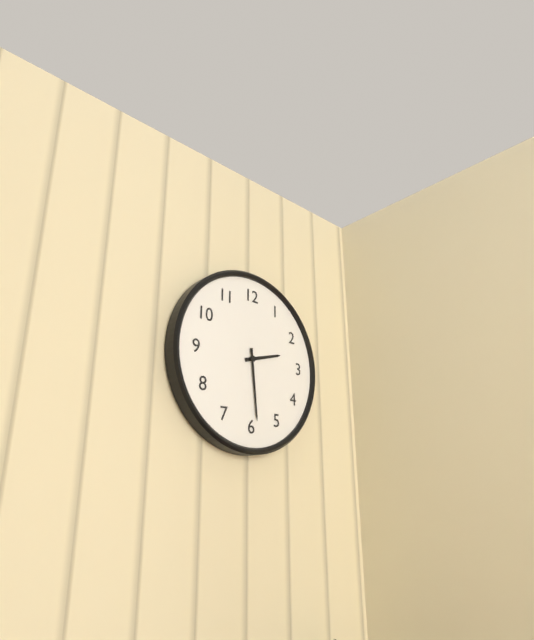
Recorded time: **2:29**
